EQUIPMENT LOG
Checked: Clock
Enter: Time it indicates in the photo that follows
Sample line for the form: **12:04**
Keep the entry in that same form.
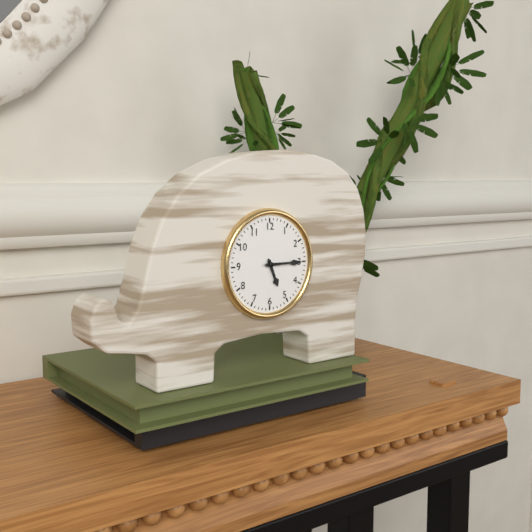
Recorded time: **5:15**
